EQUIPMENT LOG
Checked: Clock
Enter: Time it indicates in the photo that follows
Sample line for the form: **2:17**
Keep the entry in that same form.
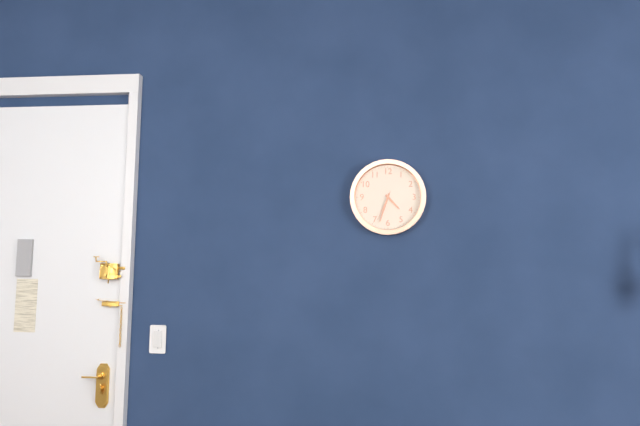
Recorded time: **4:33**
